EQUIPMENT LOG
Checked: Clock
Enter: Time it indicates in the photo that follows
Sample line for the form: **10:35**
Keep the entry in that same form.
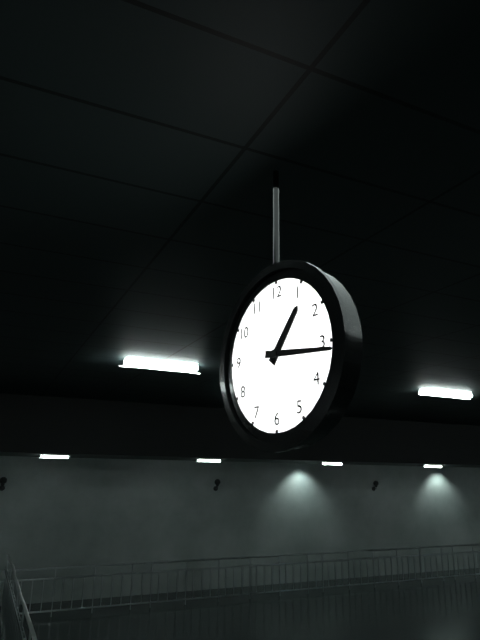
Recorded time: **1:16**
